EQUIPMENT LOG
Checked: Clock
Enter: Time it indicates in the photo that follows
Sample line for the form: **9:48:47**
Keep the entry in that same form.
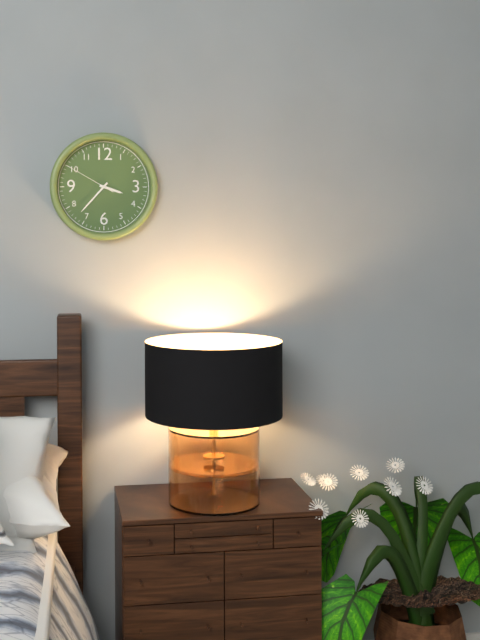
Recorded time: **3:37:50**
